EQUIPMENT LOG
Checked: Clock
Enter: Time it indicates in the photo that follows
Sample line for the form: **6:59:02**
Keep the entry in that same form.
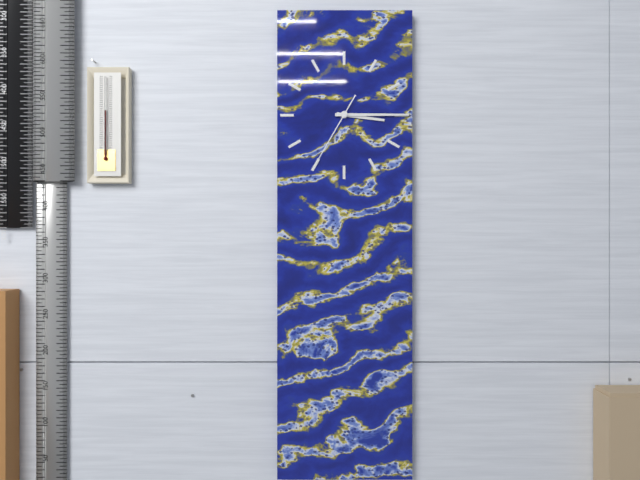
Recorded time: **3:15:35**
